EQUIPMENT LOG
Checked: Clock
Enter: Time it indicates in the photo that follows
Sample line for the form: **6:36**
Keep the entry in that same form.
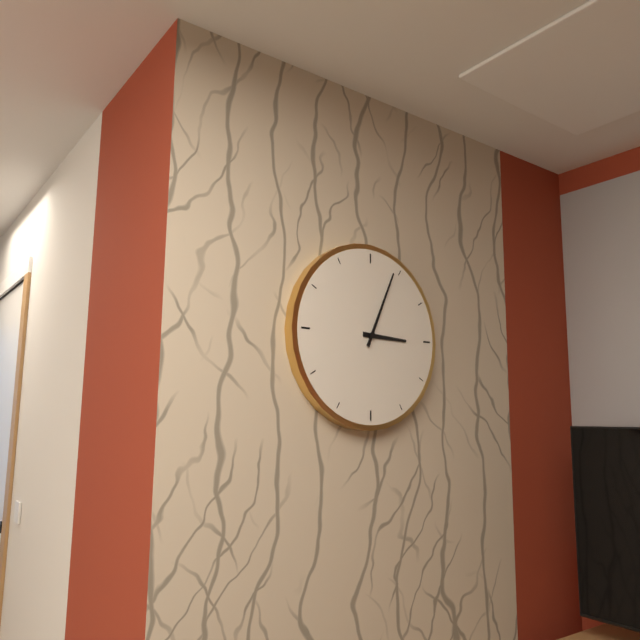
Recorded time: **3:04**
